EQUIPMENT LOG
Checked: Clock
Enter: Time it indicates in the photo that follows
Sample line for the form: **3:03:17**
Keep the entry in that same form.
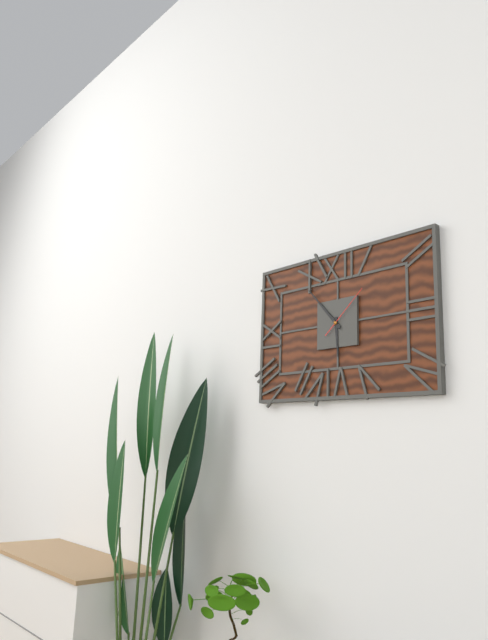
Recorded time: **5:53:08**
